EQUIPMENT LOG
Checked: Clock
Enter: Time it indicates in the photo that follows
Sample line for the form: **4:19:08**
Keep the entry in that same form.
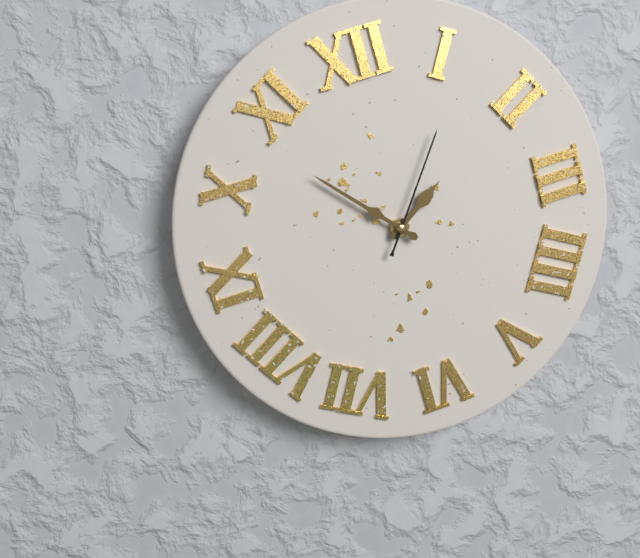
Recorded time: **1:53:06**
